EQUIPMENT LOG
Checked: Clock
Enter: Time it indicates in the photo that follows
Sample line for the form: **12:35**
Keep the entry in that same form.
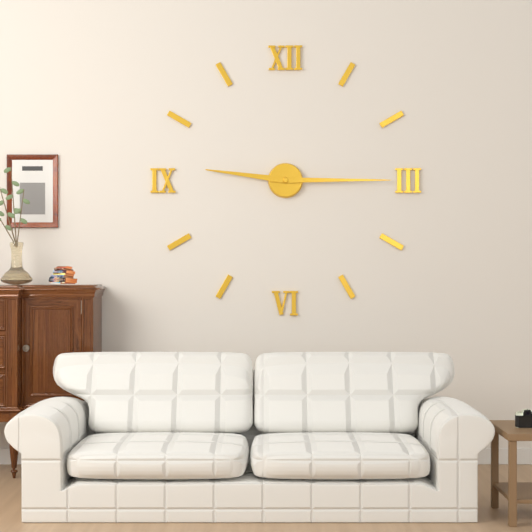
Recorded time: **9:15**
